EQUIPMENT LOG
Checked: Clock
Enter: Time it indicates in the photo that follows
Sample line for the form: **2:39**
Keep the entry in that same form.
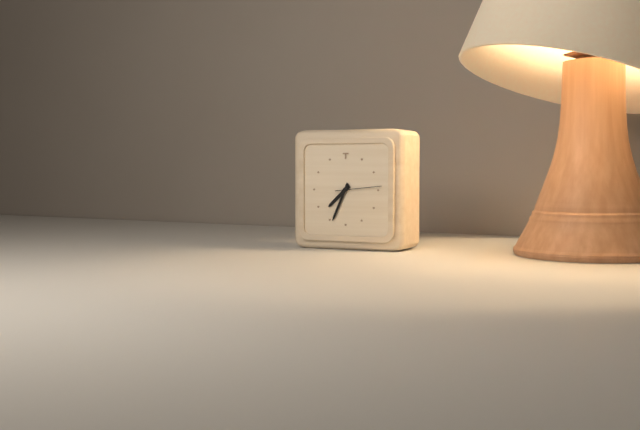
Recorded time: **7:34**
